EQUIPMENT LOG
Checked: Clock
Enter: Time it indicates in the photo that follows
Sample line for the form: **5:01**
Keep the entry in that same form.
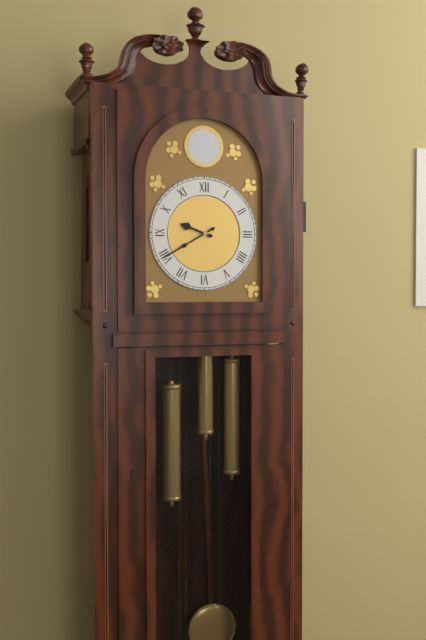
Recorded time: **9:40**
